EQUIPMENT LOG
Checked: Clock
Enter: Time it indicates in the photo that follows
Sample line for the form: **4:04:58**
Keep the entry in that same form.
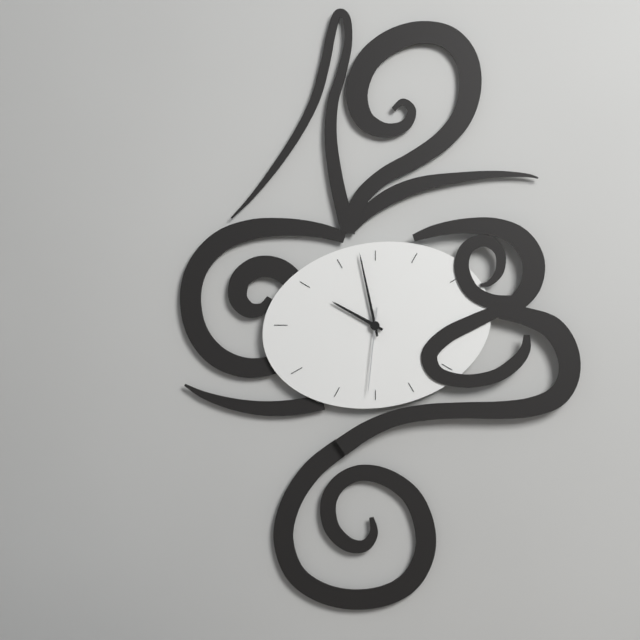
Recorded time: **9:58:31**
